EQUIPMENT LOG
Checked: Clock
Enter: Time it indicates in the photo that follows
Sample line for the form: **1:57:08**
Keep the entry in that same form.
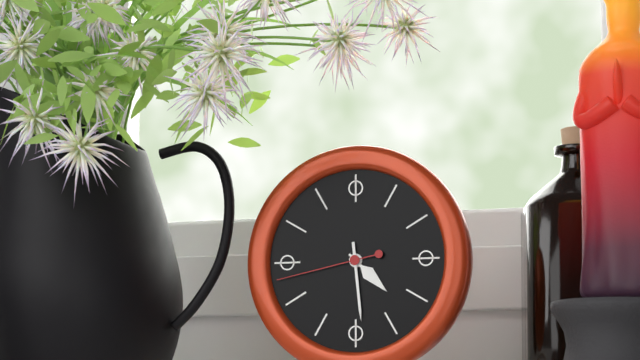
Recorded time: **4:29:43**
